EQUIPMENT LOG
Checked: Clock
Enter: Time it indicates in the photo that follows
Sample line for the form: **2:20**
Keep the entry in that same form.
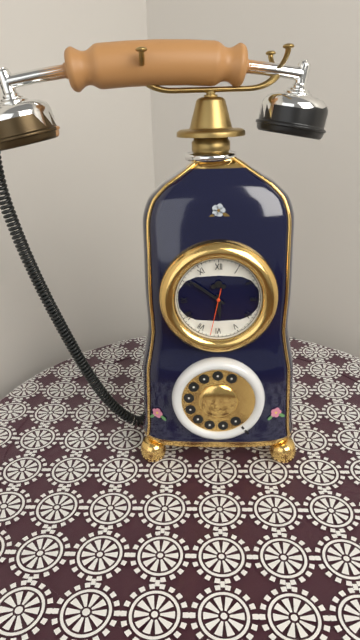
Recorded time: **5:51**
